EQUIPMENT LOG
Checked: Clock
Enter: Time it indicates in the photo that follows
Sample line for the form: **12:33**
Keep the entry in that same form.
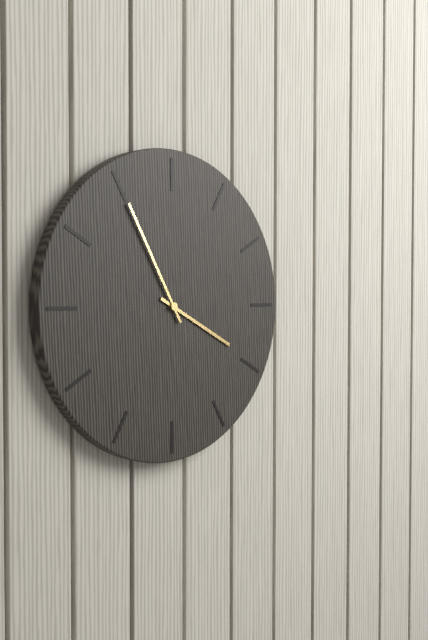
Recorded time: **3:55**
